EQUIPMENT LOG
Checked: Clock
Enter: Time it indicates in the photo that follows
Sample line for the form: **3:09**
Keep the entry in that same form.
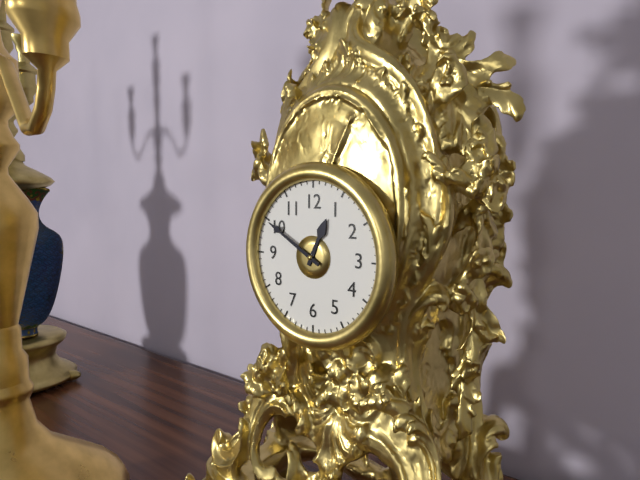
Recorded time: **12:50**
